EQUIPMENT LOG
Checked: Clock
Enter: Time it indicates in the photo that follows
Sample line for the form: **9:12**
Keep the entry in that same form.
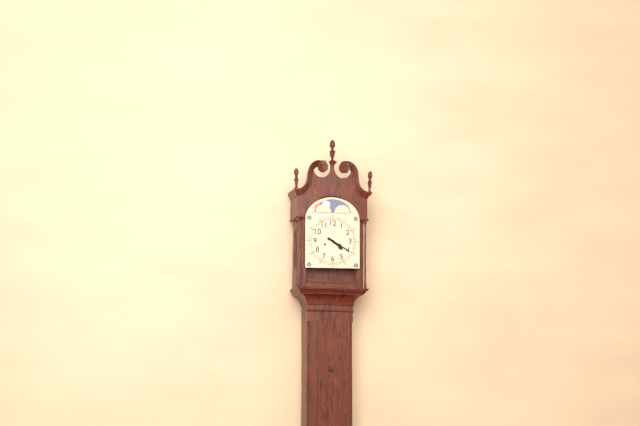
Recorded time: **4:20**
